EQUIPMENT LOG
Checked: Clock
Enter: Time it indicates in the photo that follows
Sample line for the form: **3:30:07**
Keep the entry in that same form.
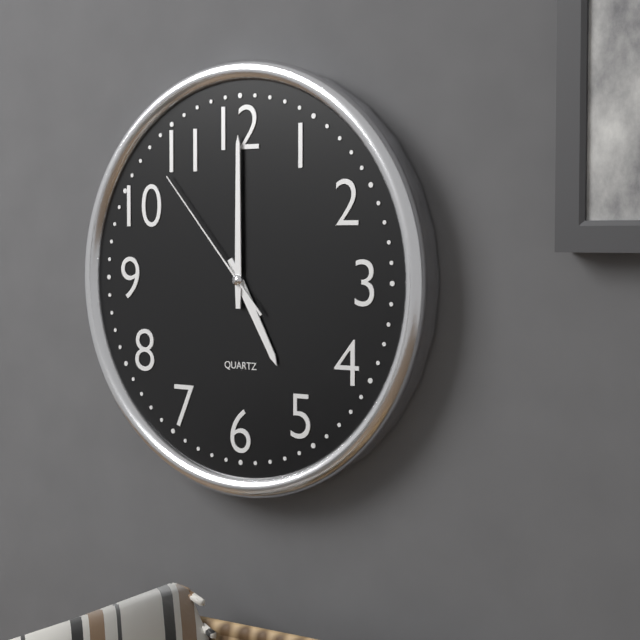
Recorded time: **5:00:53**
